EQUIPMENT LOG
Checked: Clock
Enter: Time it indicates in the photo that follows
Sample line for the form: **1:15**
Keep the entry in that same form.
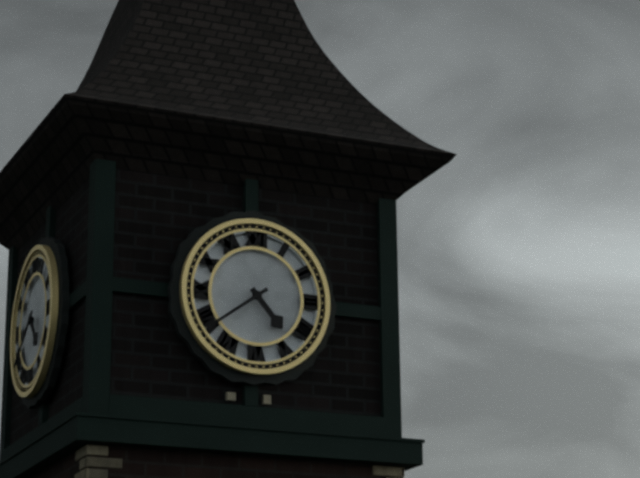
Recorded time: **4:39**
